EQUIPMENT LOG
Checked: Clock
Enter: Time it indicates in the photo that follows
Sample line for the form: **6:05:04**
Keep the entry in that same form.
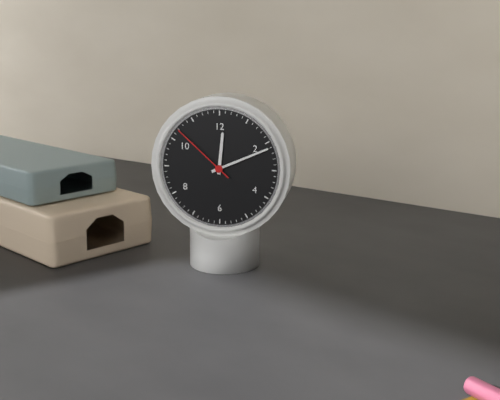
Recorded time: **12:11:52**
